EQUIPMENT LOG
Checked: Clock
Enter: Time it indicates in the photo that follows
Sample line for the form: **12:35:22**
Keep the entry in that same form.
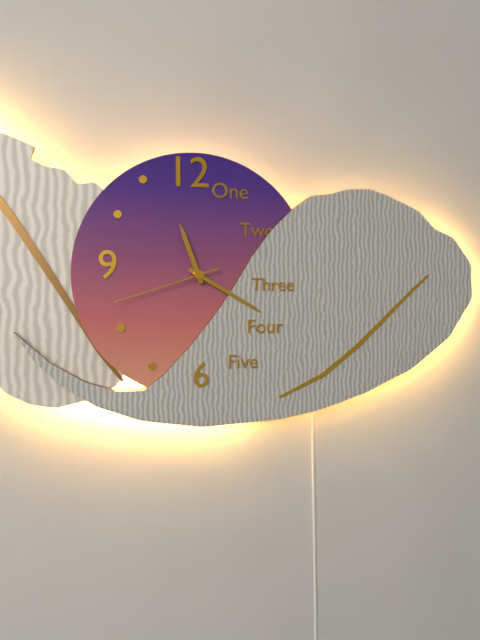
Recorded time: **11:20:42**
